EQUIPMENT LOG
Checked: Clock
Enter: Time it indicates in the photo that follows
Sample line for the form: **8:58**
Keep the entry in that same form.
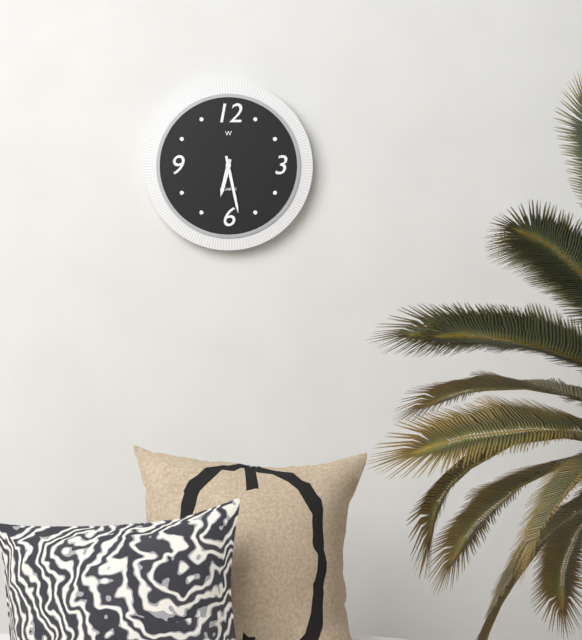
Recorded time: **6:28**
